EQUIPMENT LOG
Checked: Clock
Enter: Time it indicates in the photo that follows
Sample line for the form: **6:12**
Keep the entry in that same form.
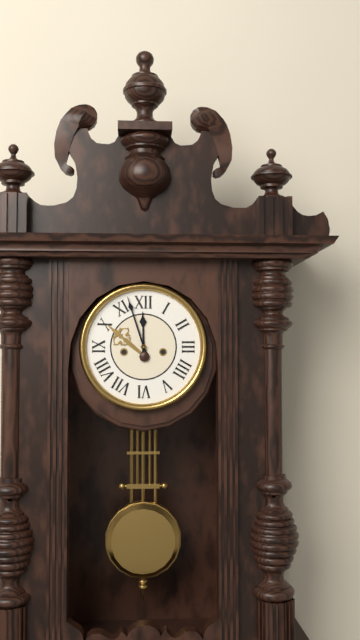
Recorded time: **11:57**
